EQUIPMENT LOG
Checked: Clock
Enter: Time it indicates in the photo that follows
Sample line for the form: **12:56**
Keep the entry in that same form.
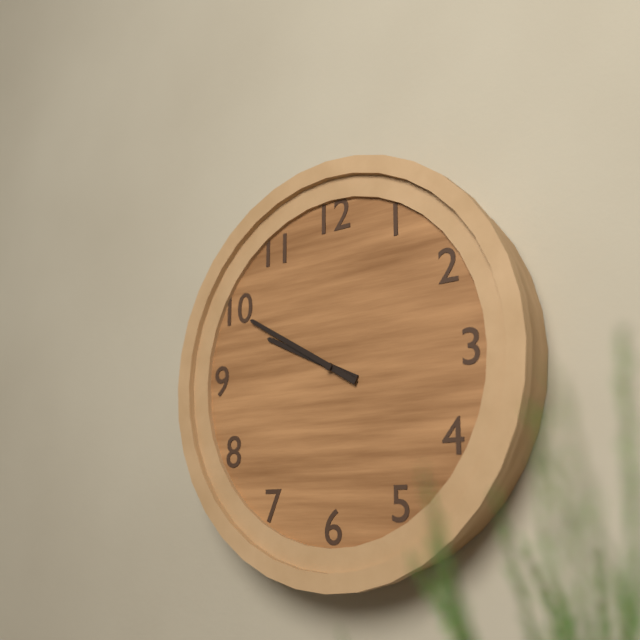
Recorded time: **9:50**
